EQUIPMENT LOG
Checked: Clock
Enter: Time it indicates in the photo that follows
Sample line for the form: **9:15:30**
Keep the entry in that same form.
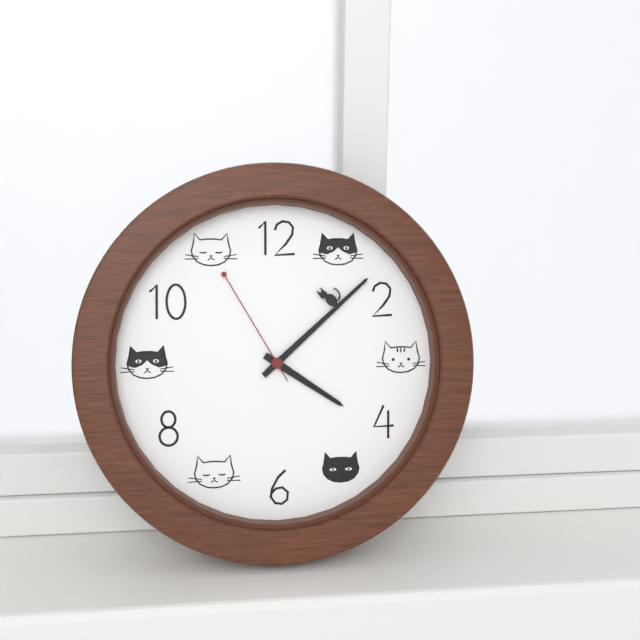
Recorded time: **4:08:55**
